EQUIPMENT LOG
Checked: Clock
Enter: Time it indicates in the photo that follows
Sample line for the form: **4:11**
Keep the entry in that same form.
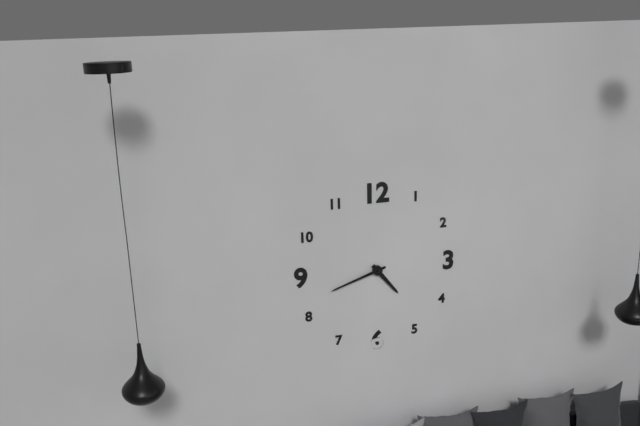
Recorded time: **4:42**
